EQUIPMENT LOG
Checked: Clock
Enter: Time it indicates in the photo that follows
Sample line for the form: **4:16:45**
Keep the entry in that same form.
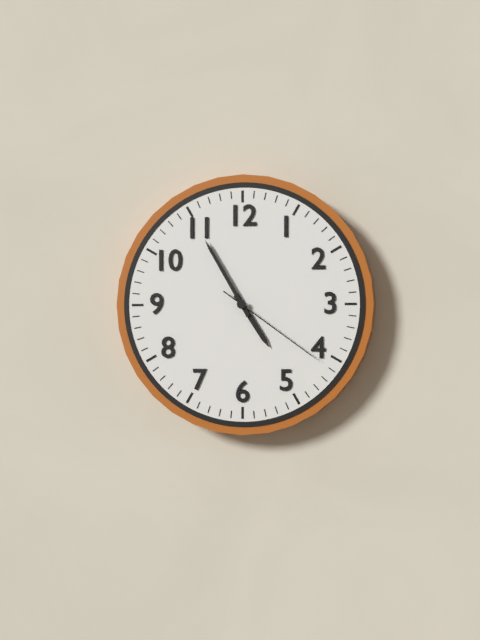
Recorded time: **4:55:21**
